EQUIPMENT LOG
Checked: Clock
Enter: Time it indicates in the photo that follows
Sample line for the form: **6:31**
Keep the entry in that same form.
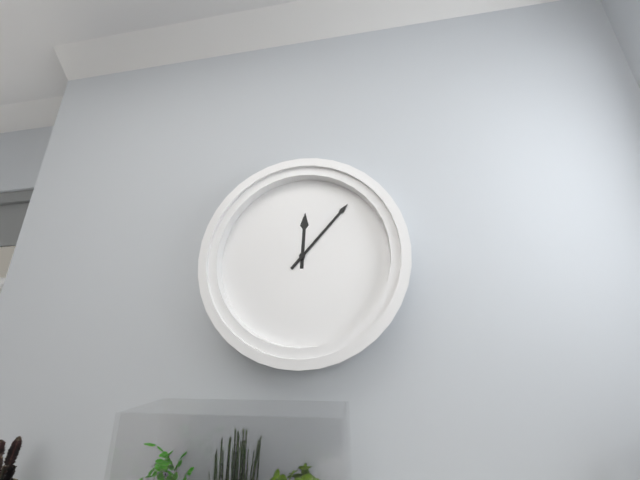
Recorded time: **12:07**
